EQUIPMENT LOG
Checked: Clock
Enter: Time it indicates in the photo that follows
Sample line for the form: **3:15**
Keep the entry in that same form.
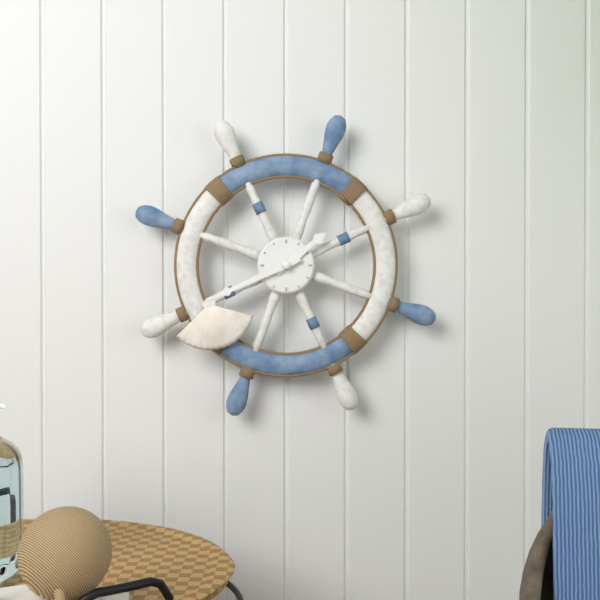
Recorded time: **1:41**
